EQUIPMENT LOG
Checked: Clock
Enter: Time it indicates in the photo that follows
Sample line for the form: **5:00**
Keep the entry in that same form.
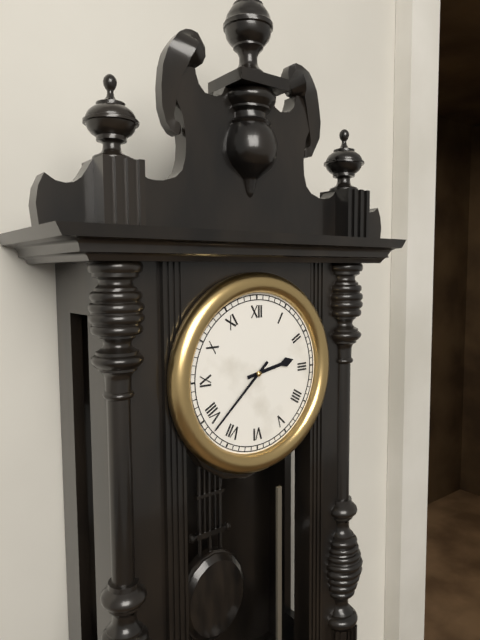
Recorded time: **2:38**
